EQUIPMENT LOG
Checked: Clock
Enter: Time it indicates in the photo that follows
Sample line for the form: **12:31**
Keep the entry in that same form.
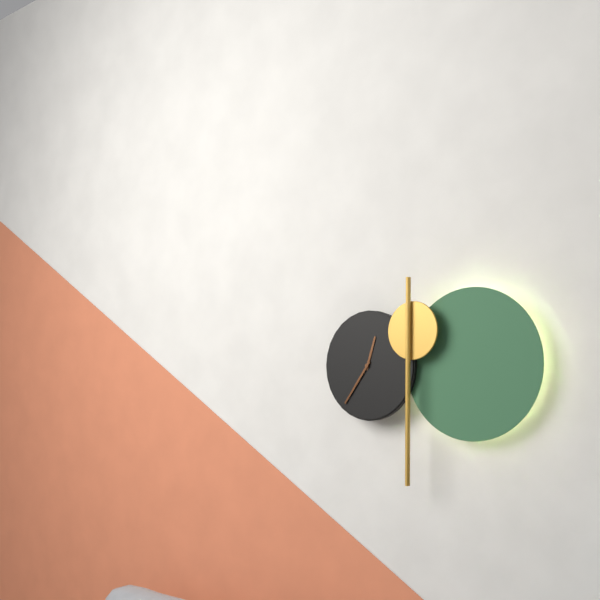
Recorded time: **12:36**
